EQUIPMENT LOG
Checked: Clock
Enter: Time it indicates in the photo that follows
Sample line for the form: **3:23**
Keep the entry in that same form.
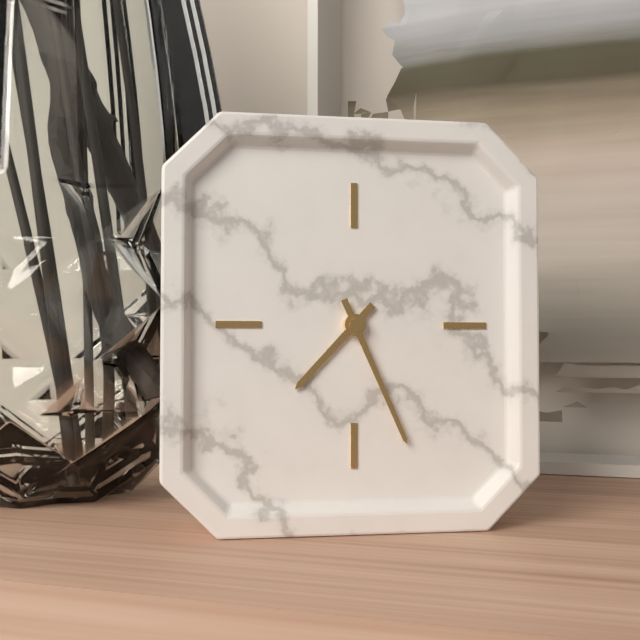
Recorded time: **7:26**
